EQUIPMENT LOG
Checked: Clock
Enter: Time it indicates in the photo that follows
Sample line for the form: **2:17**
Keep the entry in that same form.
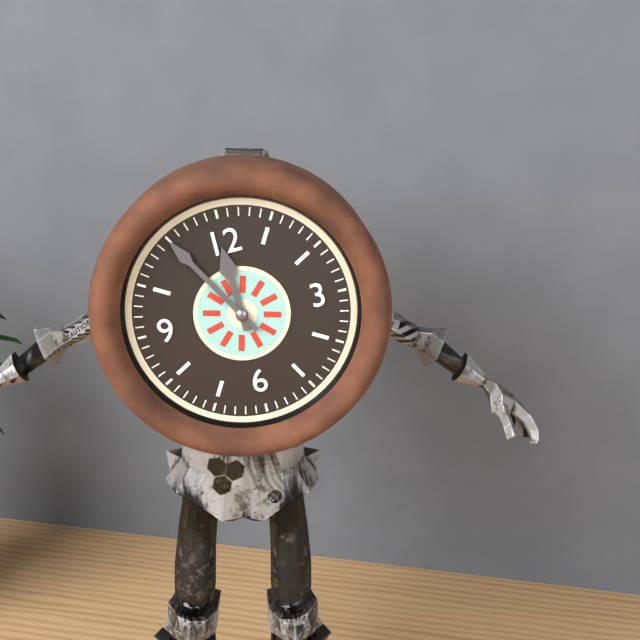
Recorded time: **11:55**
